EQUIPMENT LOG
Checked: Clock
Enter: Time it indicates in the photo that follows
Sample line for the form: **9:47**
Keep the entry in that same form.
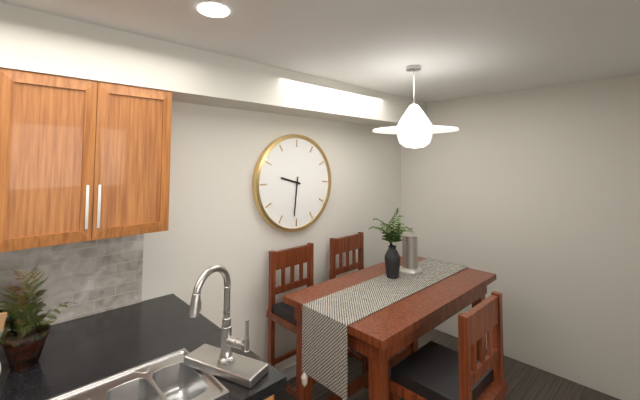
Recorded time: **9:31**
